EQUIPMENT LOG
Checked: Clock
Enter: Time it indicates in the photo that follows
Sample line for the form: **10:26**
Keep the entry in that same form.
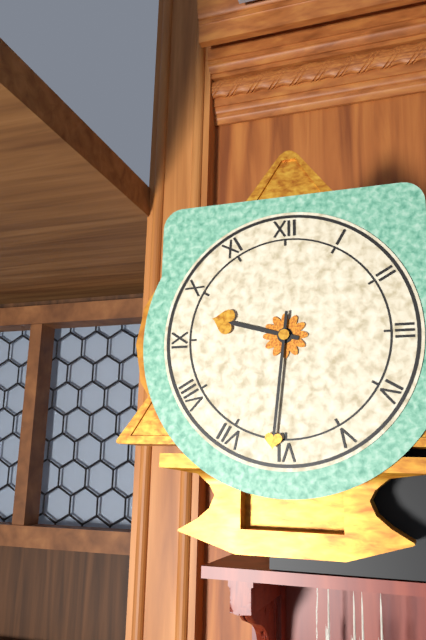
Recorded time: **9:31**
